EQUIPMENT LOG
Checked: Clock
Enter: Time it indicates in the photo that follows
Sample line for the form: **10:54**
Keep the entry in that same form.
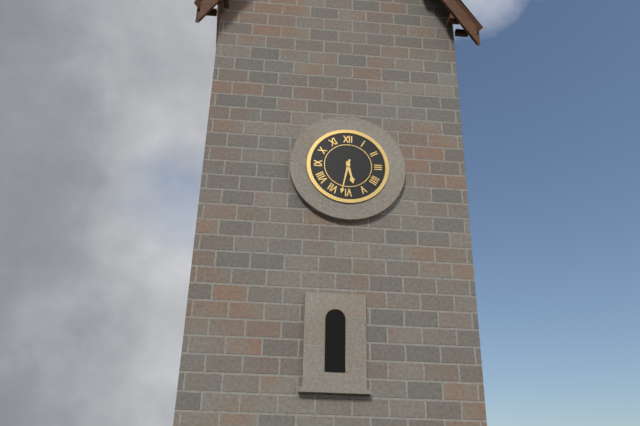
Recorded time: **5:32**
